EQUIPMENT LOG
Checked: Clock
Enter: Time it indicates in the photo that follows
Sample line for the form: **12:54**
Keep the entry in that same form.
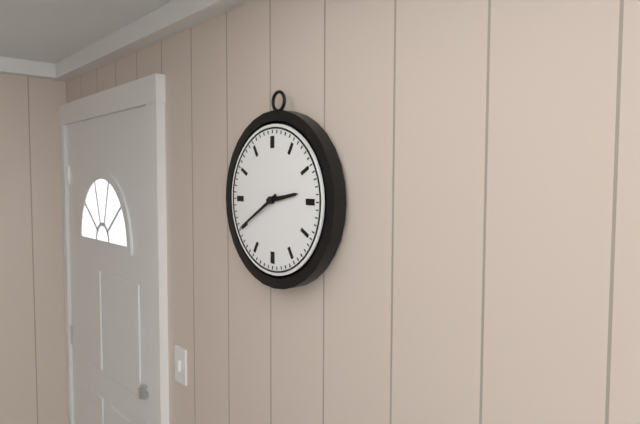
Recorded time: **2:40**
